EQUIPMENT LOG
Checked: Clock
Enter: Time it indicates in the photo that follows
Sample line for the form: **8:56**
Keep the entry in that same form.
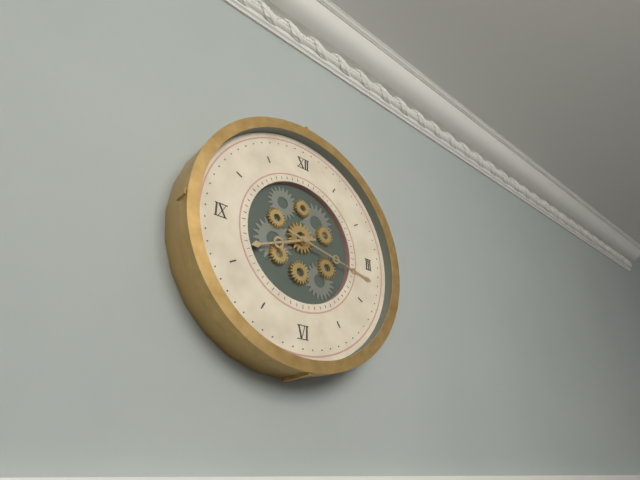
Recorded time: **8:17**
